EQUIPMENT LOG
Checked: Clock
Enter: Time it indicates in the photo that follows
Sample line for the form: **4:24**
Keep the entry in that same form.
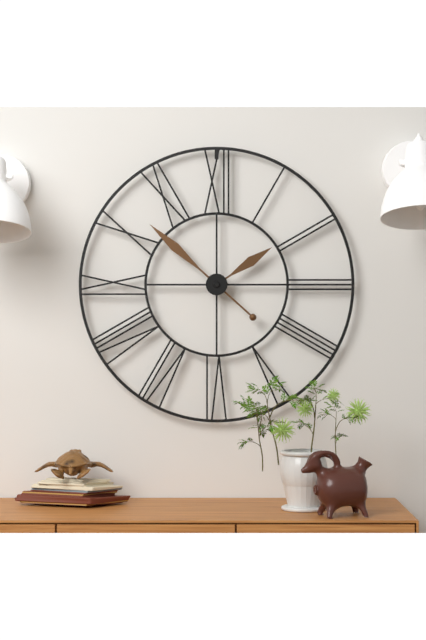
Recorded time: **1:52**
